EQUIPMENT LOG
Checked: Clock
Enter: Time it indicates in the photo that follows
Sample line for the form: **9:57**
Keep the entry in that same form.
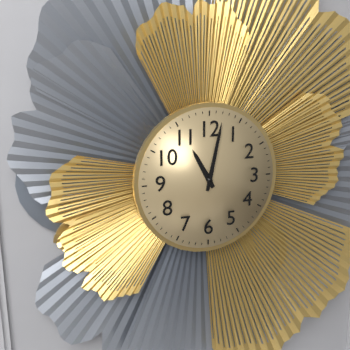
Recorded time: **11:02**
